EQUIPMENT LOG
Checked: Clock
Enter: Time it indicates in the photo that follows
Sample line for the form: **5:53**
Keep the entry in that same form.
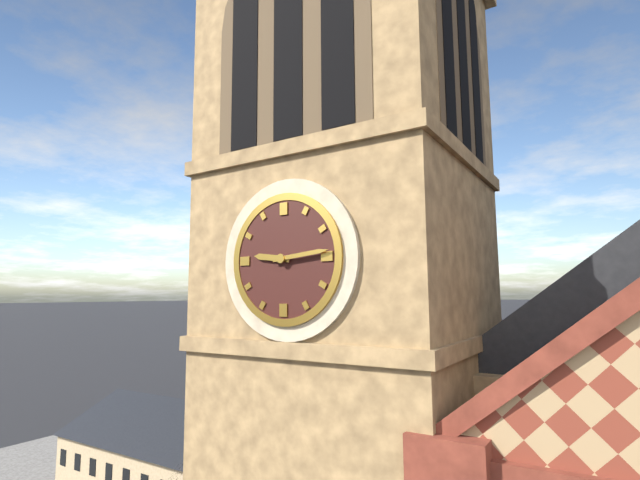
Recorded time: **9:14**
